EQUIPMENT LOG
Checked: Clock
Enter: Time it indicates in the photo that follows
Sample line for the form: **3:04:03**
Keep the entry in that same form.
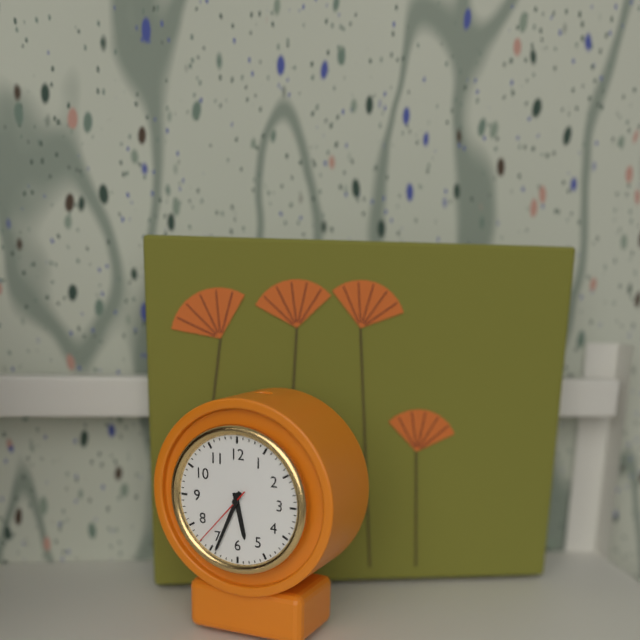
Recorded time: **5:34:37**
